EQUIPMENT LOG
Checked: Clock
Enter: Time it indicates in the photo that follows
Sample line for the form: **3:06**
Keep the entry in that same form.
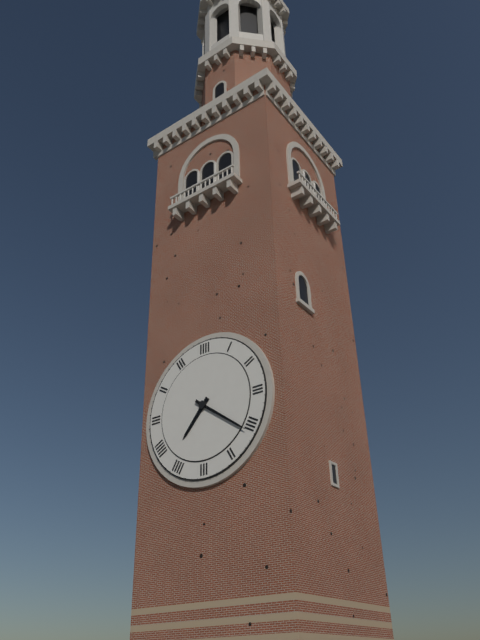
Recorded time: **7:21**
